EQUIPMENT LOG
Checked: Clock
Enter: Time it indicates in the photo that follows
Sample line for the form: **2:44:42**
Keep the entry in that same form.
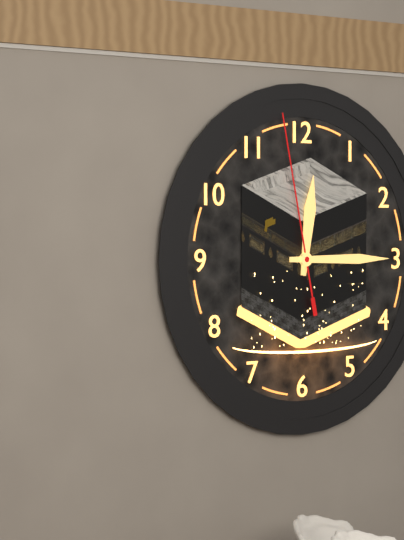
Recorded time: **12:15:58**
